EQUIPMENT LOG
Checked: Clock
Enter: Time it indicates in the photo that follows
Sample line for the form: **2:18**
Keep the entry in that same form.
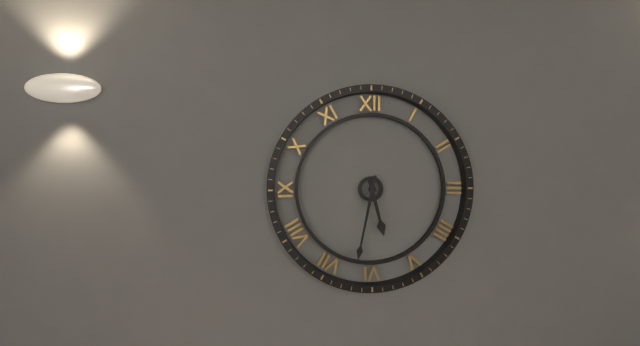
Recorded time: **5:32**
